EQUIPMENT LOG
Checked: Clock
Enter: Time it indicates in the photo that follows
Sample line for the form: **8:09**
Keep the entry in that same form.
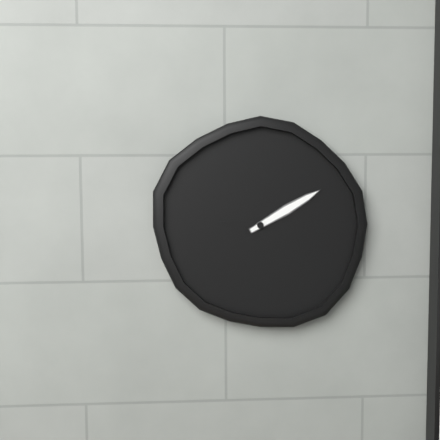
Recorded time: **9:10**
